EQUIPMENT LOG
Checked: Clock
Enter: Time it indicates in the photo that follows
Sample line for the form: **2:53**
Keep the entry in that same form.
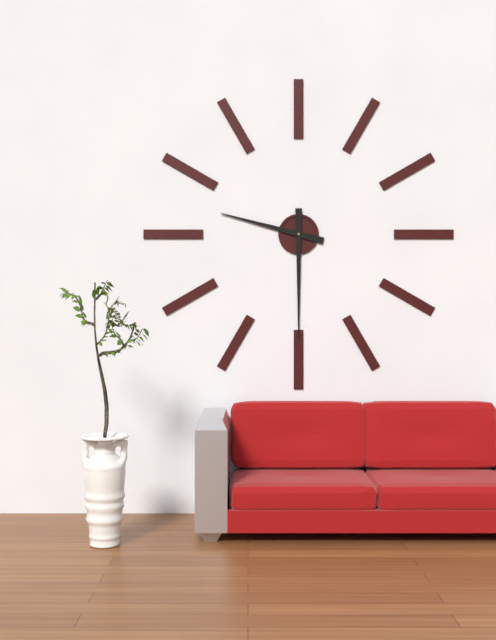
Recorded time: **9:30**
